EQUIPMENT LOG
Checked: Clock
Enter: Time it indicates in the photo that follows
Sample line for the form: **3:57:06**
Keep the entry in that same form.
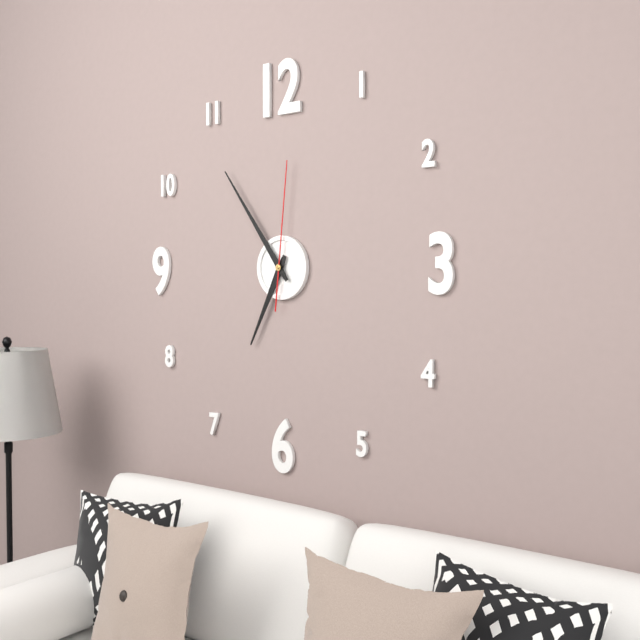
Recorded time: **6:54:01**
